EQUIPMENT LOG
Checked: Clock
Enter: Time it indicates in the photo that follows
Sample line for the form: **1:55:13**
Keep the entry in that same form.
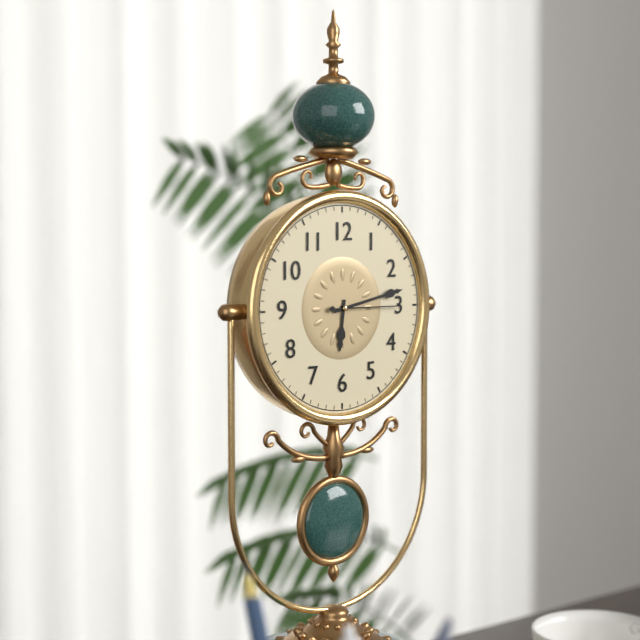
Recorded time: **6:13:15**
